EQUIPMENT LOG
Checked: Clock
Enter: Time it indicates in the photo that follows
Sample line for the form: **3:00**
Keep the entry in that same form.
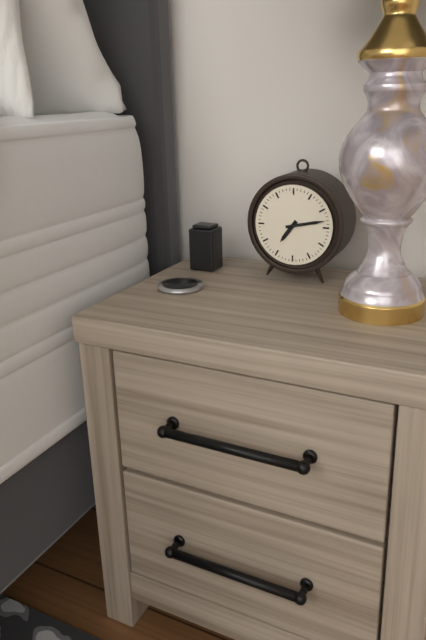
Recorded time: **7:13**
